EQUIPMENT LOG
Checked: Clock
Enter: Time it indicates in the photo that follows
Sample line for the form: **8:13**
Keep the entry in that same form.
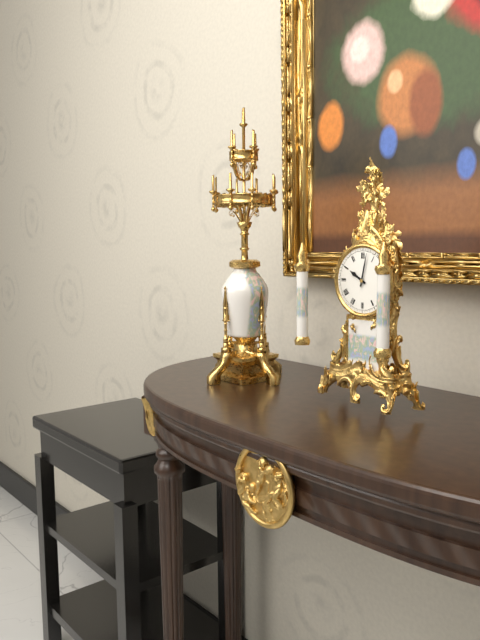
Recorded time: **10:02**
